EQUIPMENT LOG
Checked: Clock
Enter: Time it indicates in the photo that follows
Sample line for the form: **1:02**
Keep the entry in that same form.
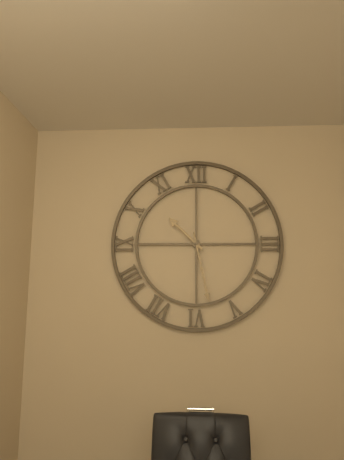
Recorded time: **10:28**
